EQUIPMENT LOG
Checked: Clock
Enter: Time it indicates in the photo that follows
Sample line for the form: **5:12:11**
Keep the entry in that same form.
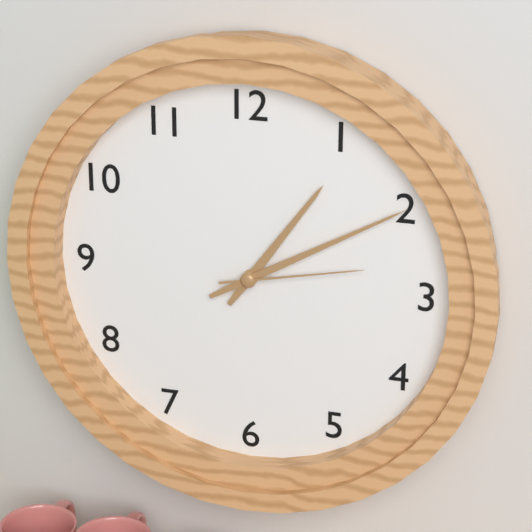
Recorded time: **1:10:13**
